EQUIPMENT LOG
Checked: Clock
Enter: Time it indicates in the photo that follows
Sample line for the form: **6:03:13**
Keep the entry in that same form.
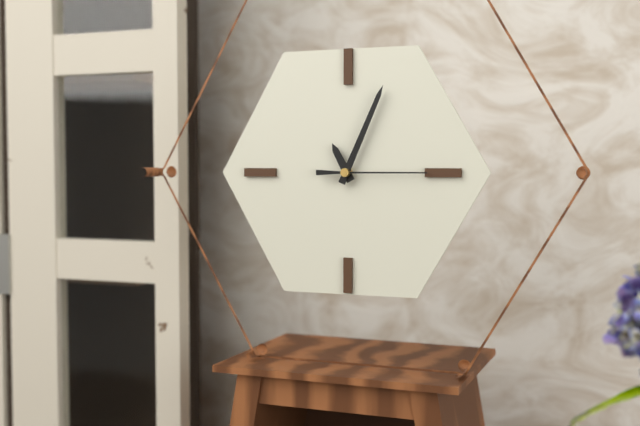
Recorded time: **11:04:15**
